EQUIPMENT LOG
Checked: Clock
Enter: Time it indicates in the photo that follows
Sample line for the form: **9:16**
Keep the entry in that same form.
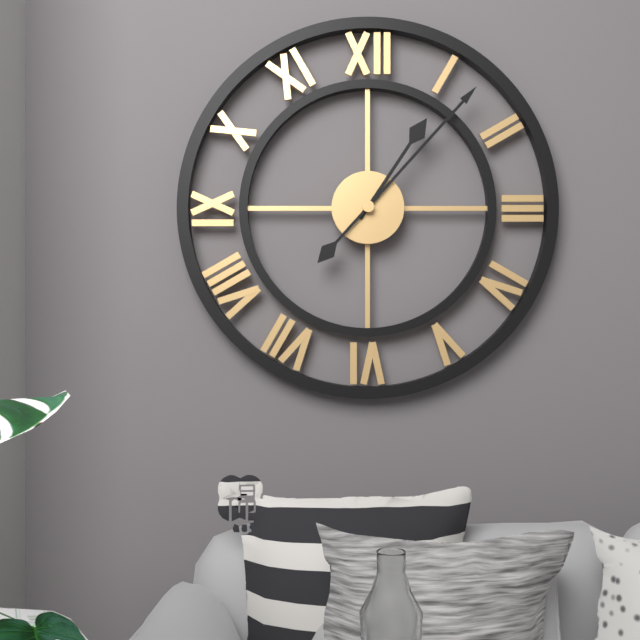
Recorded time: **1:07**
